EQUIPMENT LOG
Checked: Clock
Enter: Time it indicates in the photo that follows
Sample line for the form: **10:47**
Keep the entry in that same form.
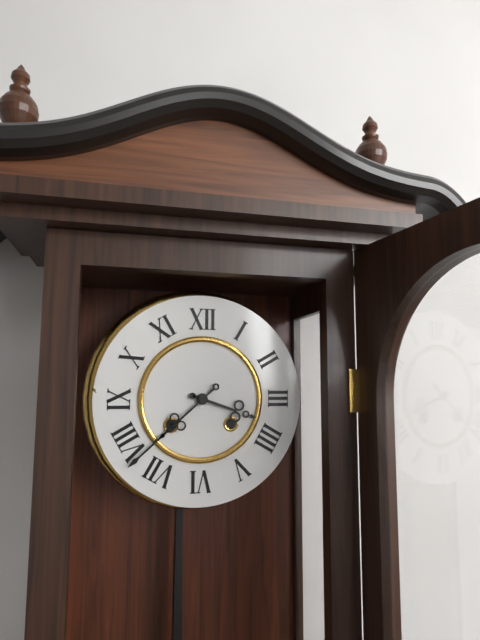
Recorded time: **3:38**
